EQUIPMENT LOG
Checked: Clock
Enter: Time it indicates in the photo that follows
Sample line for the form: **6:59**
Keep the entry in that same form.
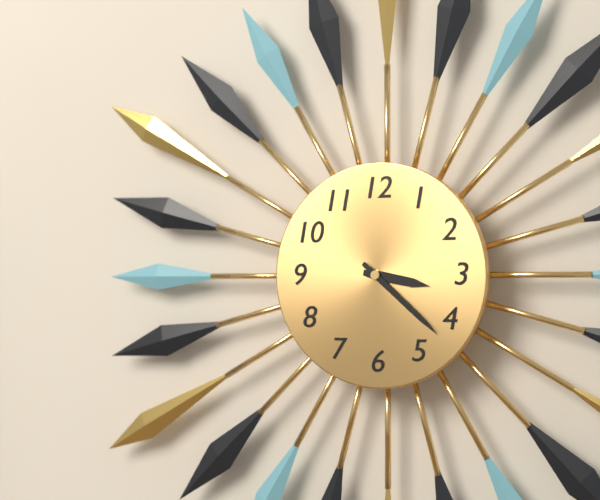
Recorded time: **3:22**
